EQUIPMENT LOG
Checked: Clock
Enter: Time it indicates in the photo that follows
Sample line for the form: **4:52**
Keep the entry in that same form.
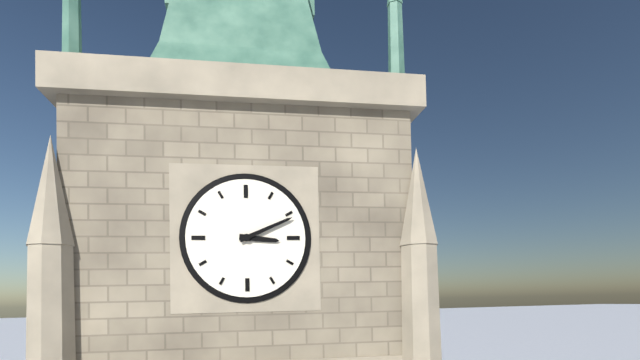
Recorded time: **3:11**
